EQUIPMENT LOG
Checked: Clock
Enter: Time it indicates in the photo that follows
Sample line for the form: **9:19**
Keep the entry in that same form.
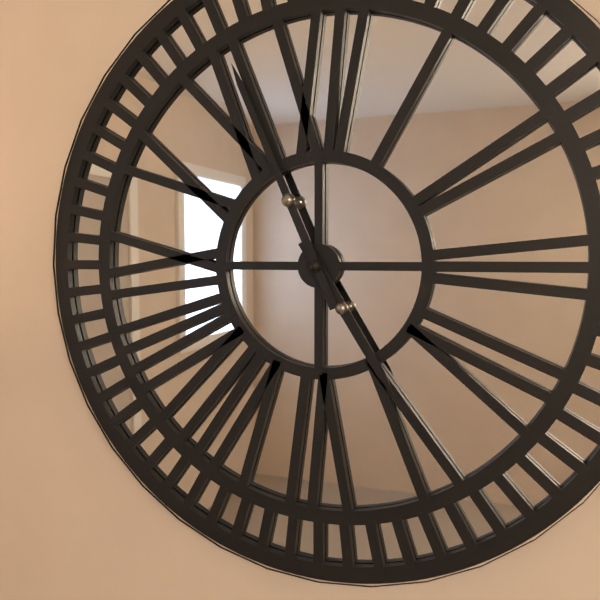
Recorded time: **4:56**
